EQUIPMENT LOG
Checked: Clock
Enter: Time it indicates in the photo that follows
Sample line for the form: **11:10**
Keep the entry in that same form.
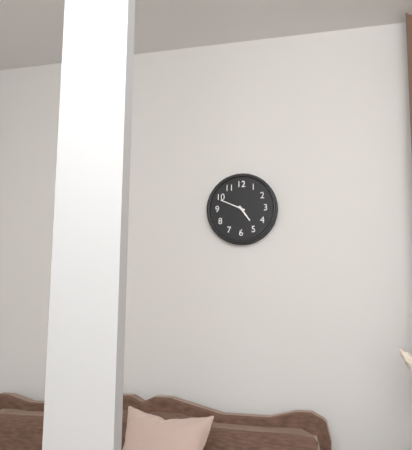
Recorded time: **4:49**
